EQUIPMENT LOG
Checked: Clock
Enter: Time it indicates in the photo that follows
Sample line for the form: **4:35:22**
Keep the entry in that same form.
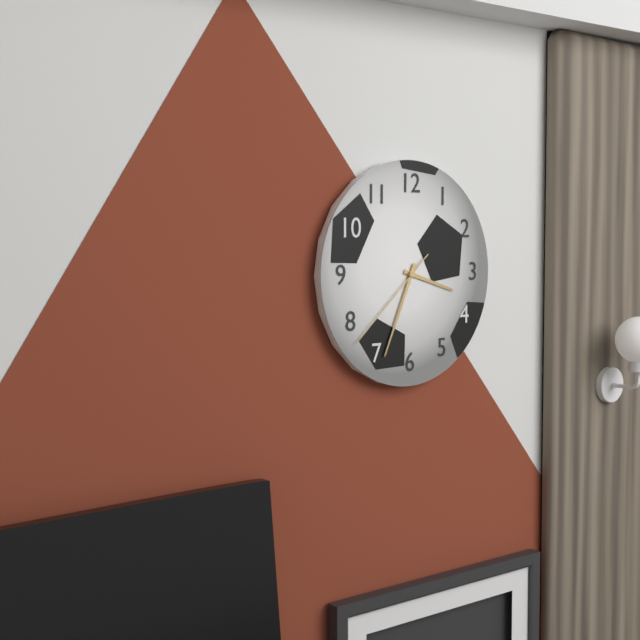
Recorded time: **3:34:38**
